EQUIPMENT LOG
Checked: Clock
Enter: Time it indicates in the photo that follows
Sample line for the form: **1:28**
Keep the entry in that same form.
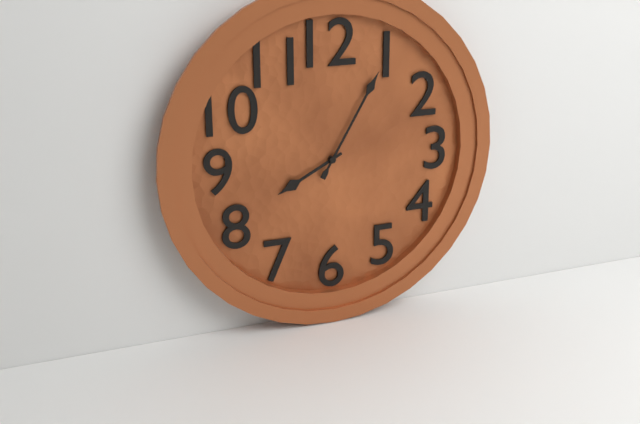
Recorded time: **8:05**
